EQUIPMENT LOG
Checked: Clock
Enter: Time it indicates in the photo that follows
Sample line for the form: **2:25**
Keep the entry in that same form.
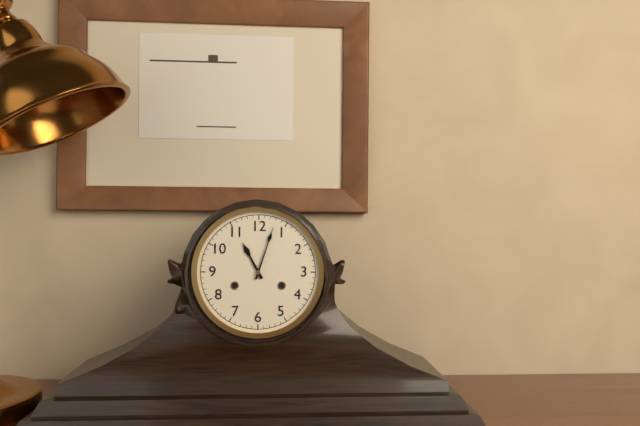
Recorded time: **11:03**
